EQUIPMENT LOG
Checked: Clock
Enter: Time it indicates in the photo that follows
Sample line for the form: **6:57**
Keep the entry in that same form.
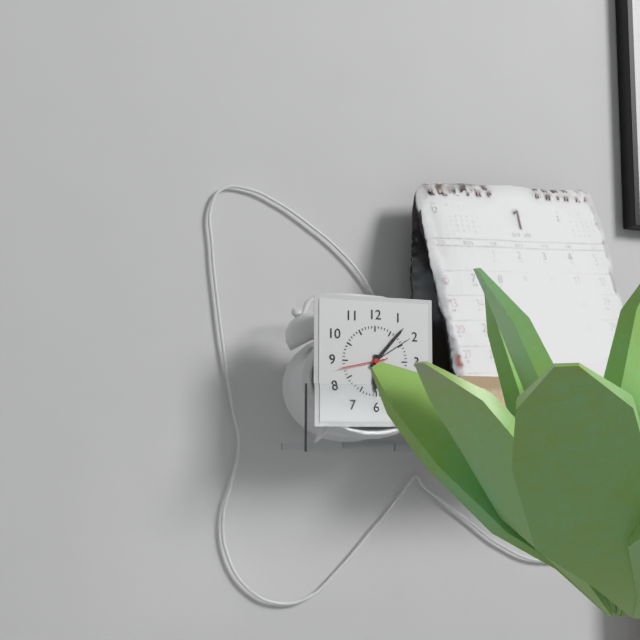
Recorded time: **6:07**
